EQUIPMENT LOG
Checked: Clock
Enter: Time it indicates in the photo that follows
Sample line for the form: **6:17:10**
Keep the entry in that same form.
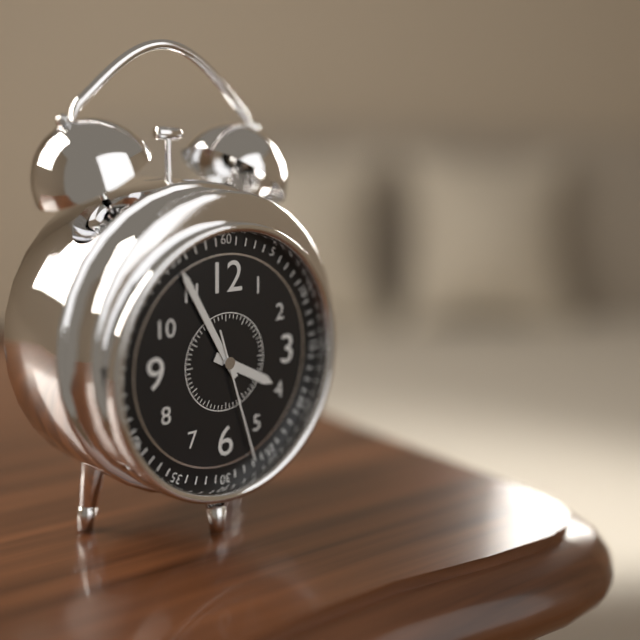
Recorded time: **3:55:27**
